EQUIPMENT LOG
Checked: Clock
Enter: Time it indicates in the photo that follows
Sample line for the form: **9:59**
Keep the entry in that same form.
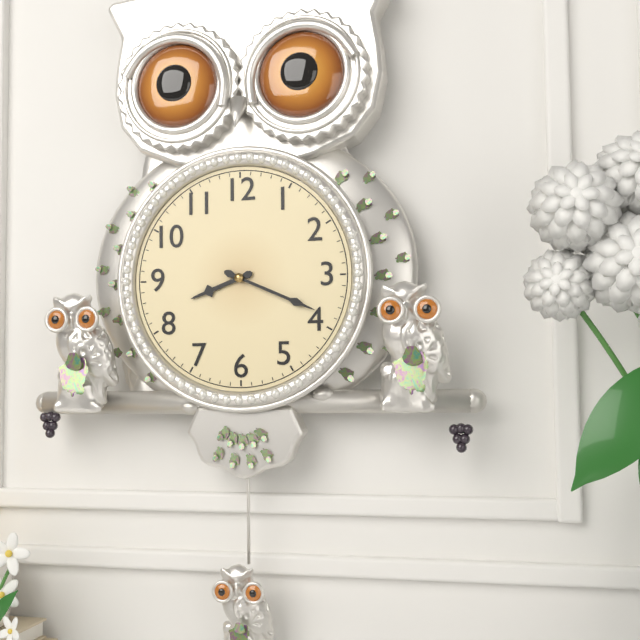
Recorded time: **8:19**
